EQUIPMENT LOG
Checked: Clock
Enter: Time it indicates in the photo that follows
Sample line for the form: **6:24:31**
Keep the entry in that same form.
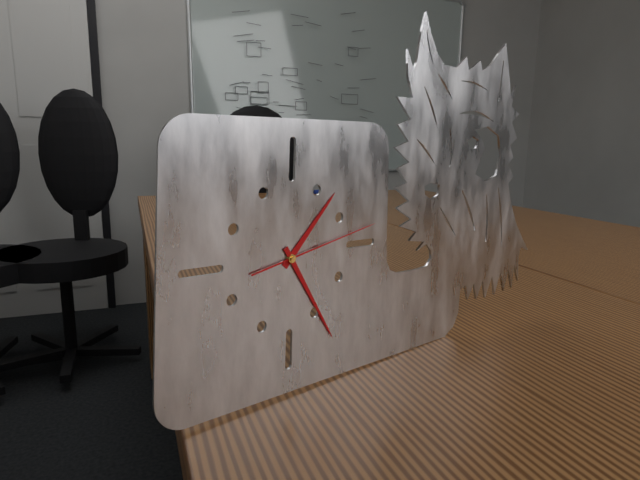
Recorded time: **1:25:13**
